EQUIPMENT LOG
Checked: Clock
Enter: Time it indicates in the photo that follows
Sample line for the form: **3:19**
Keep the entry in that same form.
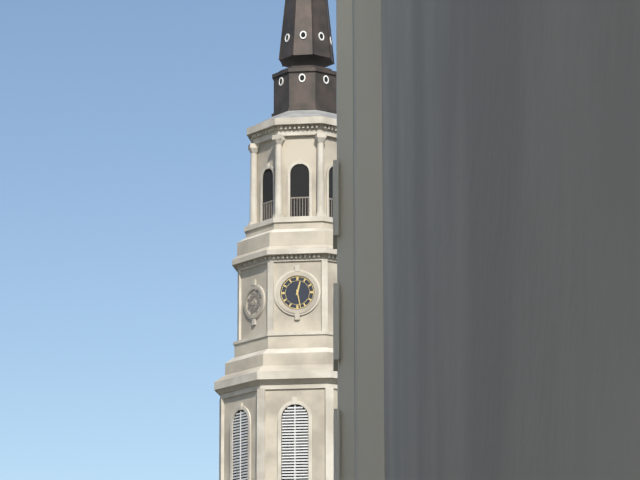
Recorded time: **12:28**
